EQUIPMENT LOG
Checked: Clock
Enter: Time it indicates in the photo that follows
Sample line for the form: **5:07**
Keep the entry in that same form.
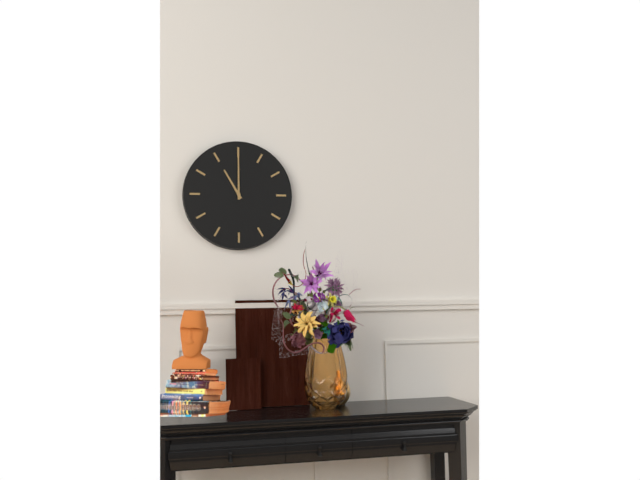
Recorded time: **11:00**
